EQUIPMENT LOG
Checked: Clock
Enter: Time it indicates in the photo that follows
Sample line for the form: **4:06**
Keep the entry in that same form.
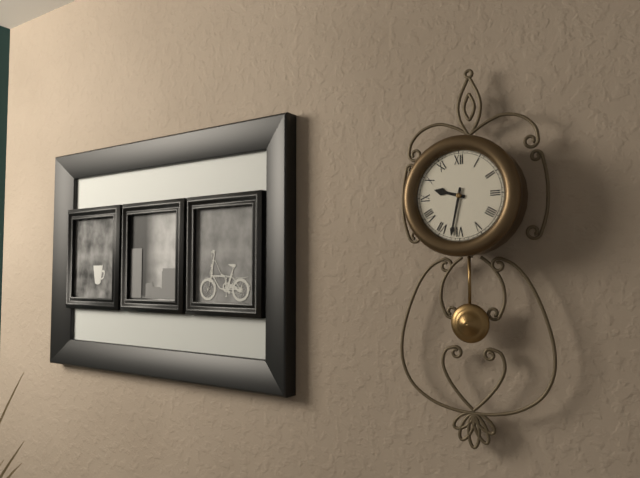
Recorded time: **9:32**
